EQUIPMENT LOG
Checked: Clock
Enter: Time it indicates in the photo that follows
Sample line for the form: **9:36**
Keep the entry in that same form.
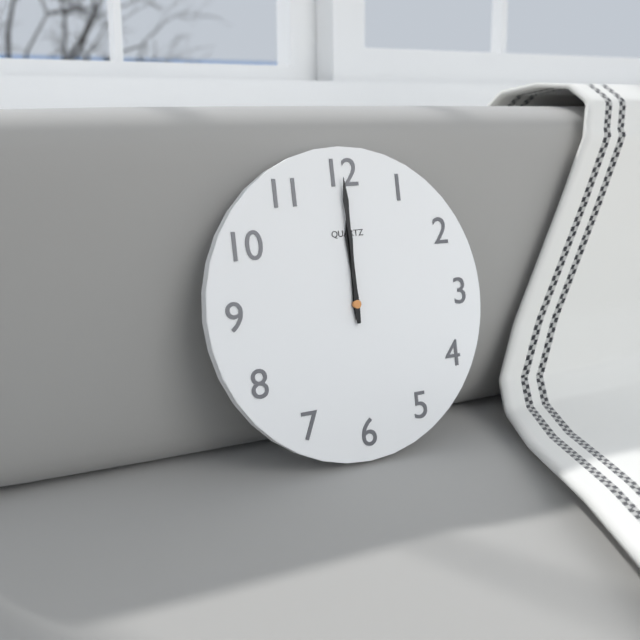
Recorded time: **12:00**
